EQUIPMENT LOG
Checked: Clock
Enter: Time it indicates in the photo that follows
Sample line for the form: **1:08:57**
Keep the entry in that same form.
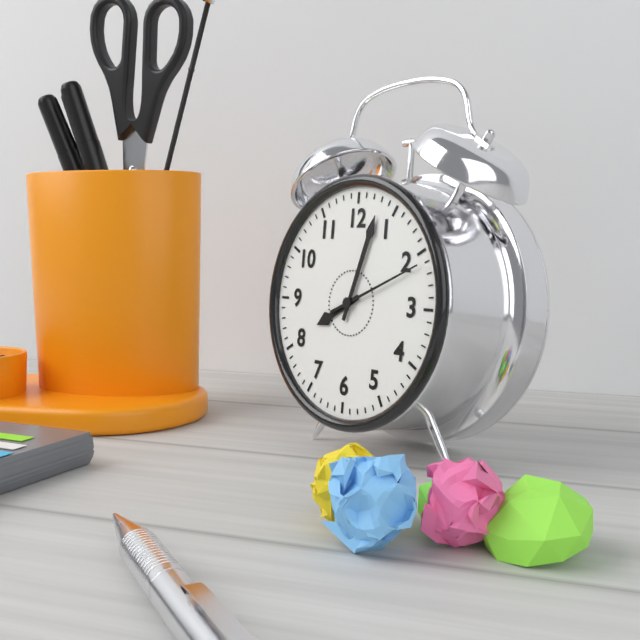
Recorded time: **8:03:11**
